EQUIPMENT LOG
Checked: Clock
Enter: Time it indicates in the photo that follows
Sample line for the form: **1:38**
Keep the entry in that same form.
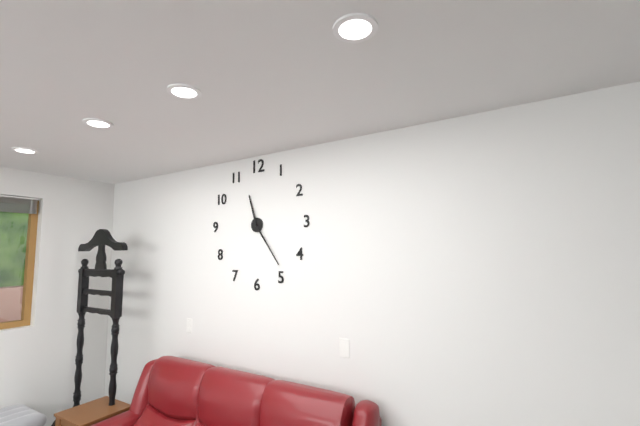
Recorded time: **11:24**
